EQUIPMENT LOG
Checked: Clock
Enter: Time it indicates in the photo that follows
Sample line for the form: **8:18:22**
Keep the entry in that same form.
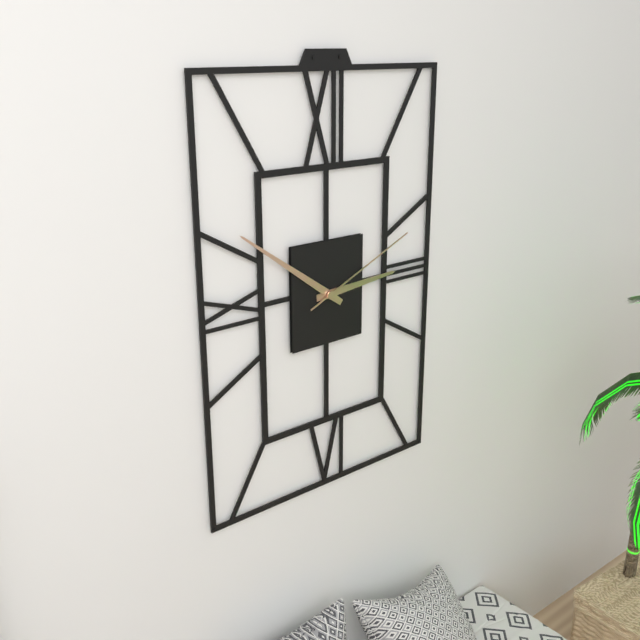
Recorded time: **2:51:11**
